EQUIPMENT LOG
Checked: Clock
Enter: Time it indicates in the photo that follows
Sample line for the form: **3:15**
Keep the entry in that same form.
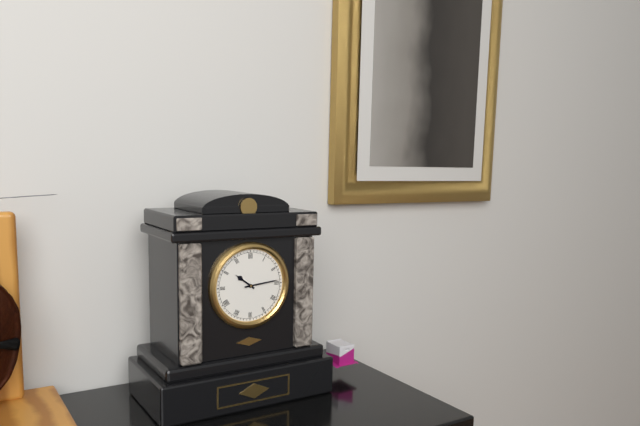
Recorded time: **10:14**
